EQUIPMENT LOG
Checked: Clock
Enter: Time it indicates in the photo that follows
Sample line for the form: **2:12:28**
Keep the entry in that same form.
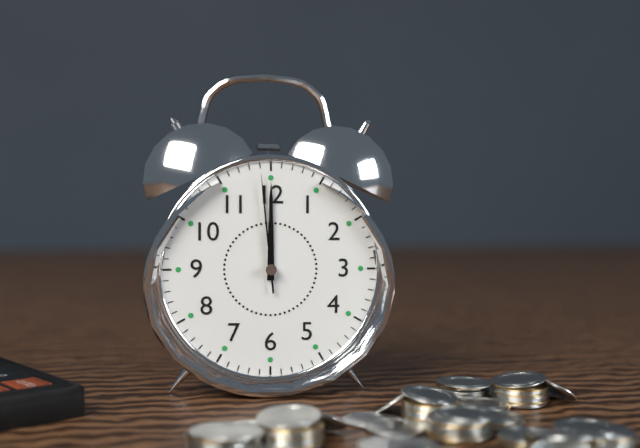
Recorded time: **12:00:59**
